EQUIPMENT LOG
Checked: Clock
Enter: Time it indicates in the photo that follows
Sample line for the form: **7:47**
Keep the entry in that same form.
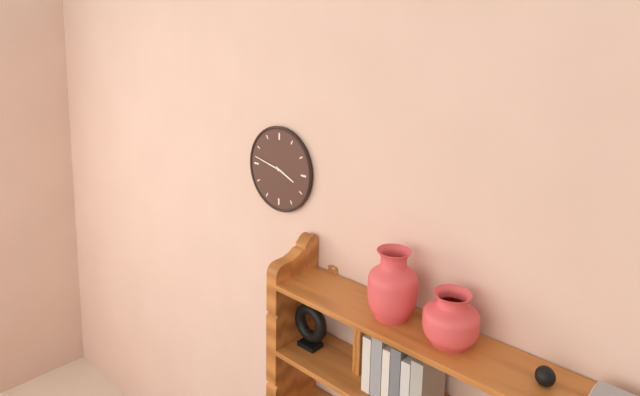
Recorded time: **3:47**
